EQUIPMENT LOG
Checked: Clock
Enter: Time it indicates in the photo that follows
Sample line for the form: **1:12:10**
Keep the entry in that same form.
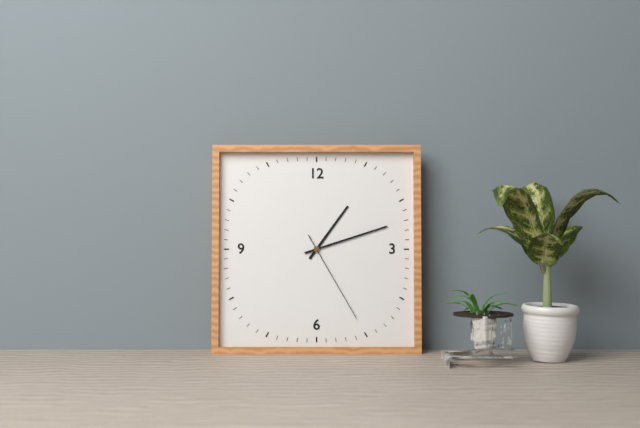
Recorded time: **1:12:25**
